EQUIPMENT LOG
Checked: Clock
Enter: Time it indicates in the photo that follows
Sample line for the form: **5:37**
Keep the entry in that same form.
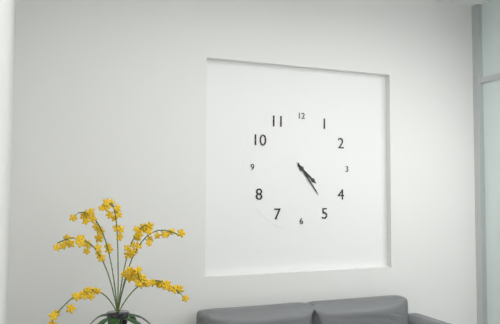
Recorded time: **4:24**
